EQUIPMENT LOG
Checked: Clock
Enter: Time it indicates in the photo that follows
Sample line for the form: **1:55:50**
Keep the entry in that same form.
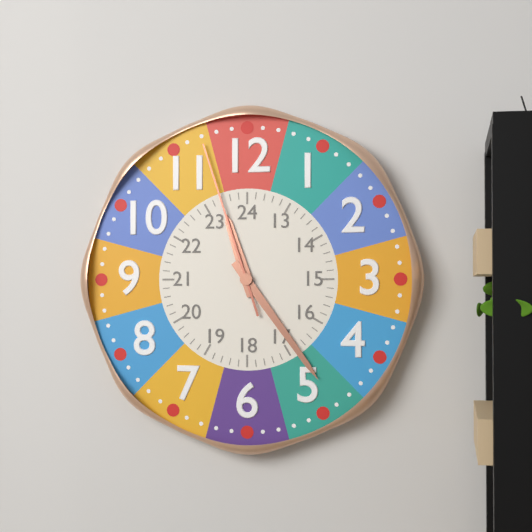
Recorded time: **11:24:57**
